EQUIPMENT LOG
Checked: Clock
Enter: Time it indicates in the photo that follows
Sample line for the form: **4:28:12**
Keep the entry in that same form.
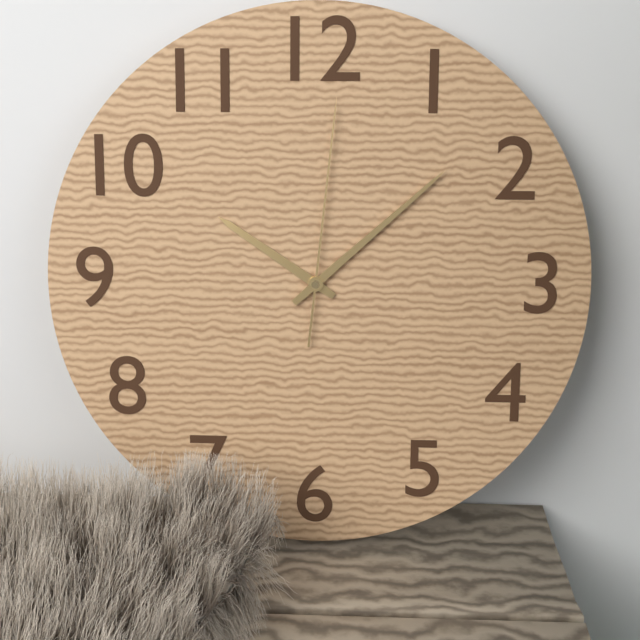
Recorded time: **10:08:01**
